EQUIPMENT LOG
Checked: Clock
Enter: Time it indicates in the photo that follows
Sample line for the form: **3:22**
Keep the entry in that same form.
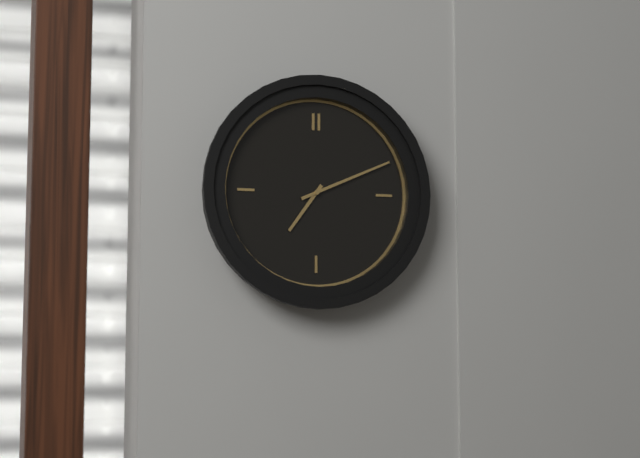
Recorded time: **7:11**
